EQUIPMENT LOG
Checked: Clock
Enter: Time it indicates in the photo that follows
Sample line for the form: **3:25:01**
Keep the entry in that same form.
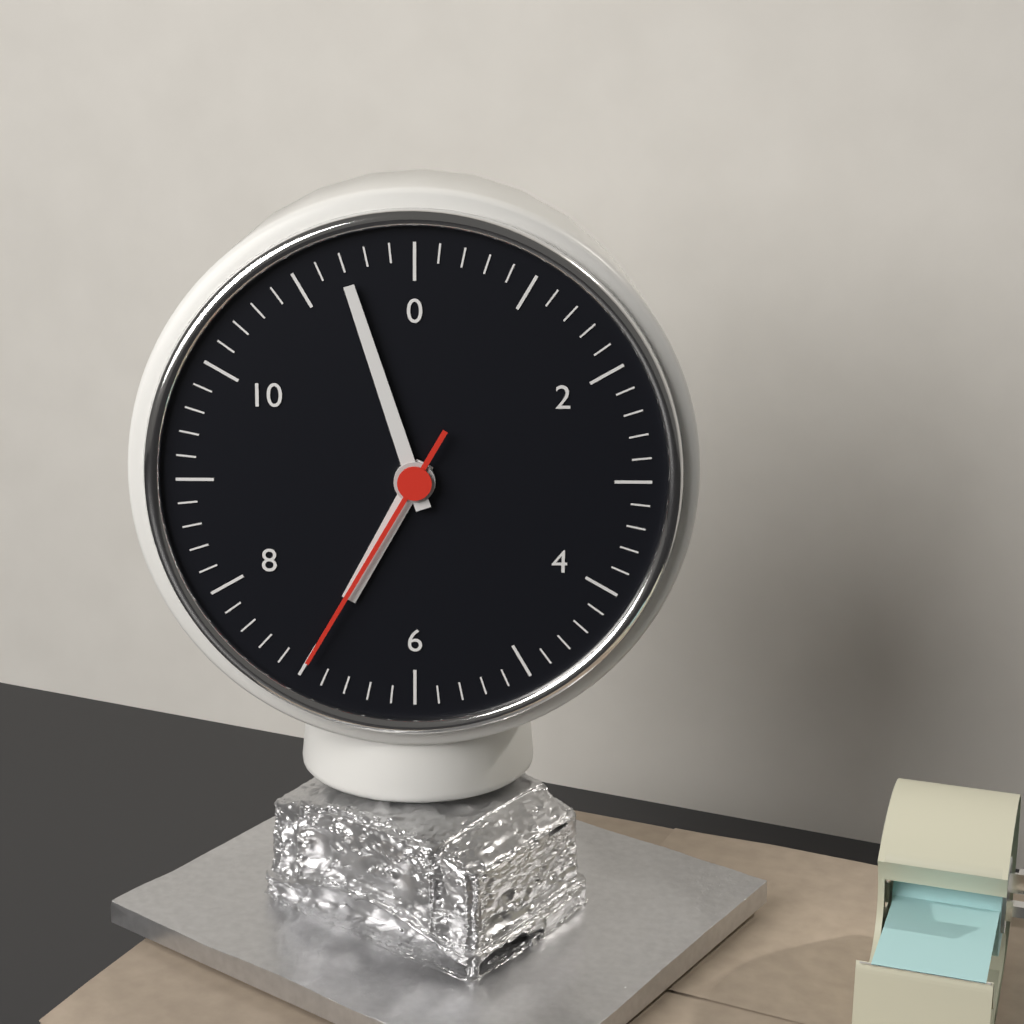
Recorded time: **6:57:35**
